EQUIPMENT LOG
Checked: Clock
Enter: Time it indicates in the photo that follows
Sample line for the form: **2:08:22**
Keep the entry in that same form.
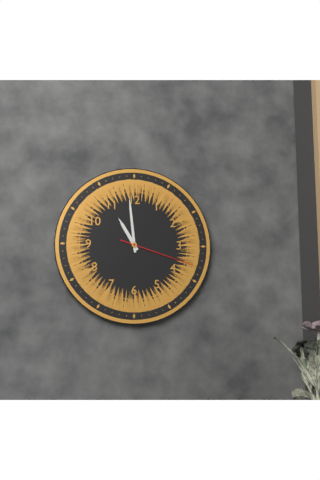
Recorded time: **10:59:18**
